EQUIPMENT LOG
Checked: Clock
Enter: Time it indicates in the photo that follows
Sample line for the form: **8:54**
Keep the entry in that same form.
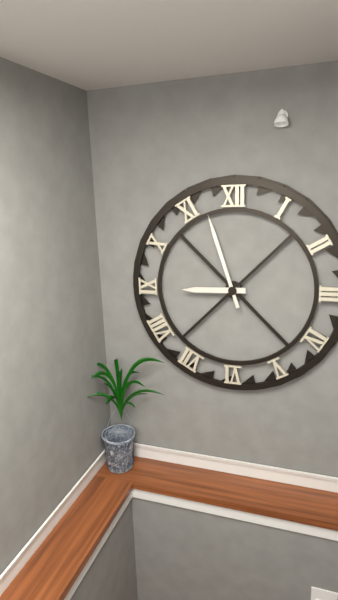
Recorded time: **8:57**
